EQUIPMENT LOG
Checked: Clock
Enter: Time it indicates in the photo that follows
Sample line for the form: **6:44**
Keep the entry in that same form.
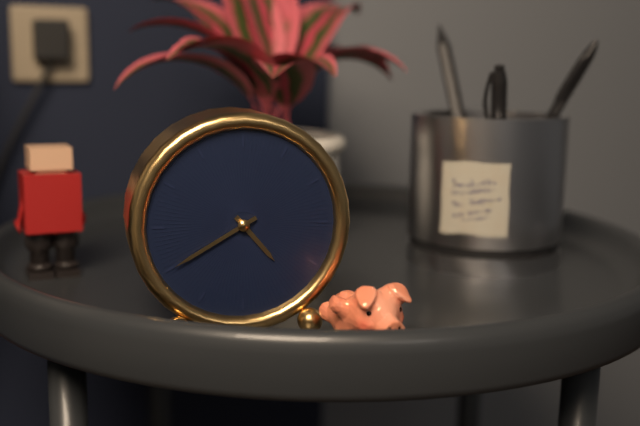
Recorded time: **4:40**
